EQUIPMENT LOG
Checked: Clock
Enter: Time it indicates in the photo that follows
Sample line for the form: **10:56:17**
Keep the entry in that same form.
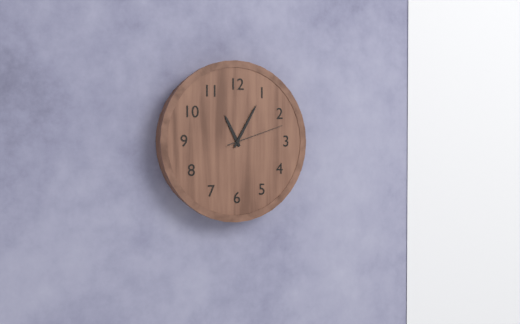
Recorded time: **11:05:12**
